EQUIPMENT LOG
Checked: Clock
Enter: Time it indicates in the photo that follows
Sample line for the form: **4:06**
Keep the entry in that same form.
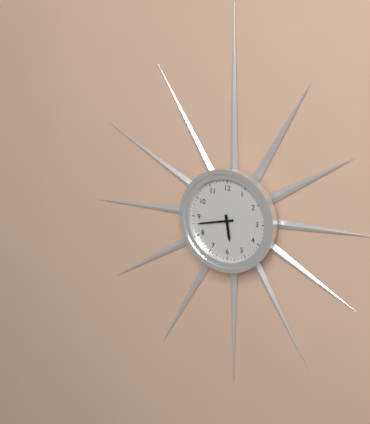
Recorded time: **5:43**
